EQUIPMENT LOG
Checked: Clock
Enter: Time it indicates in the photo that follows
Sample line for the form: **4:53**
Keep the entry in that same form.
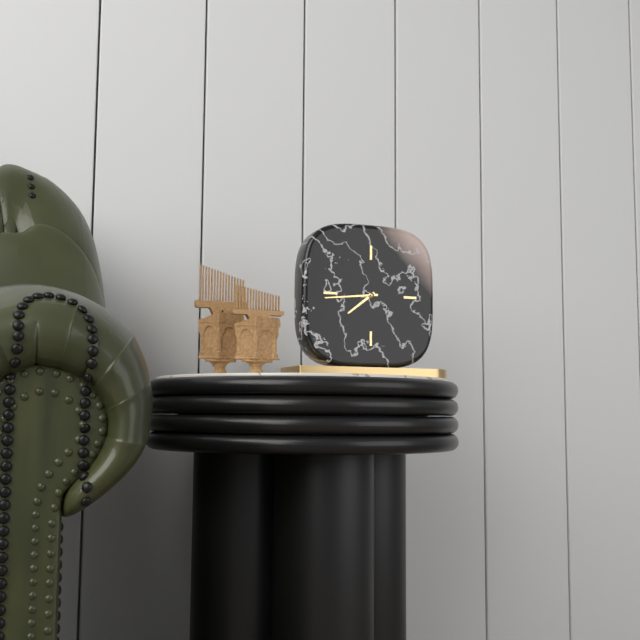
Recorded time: **7:44**
